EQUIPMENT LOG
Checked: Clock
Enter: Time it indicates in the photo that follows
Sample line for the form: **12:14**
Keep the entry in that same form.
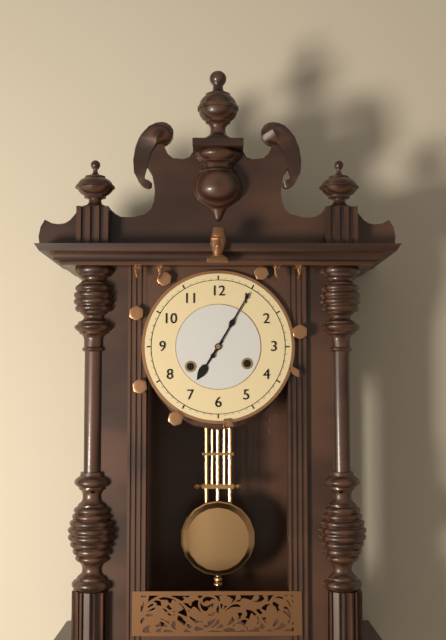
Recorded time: **7:05**
